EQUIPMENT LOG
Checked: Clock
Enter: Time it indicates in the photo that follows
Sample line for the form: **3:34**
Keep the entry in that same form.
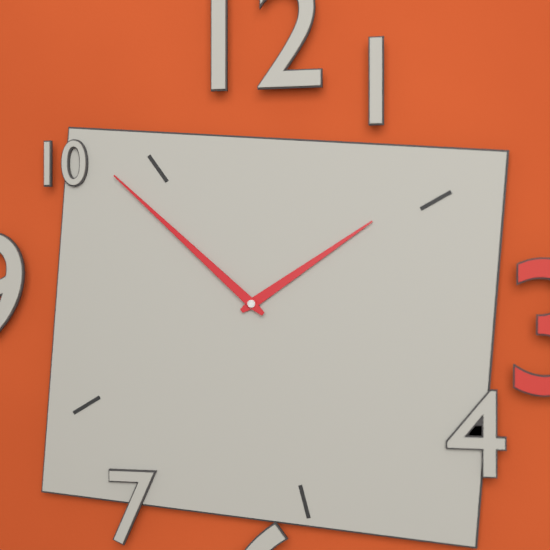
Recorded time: **1:52**
